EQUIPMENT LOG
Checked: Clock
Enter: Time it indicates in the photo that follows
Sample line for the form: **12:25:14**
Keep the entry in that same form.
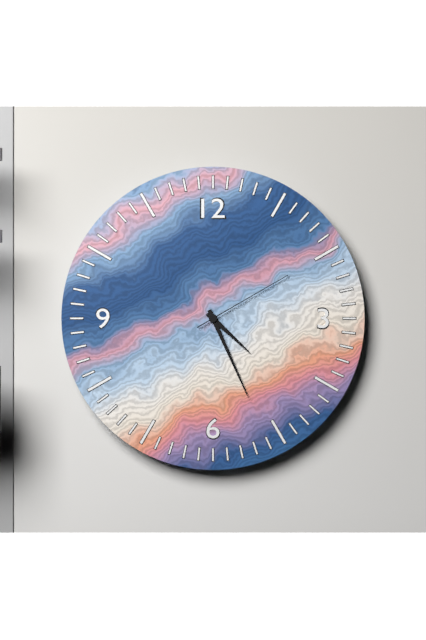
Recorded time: **4:26:10**
